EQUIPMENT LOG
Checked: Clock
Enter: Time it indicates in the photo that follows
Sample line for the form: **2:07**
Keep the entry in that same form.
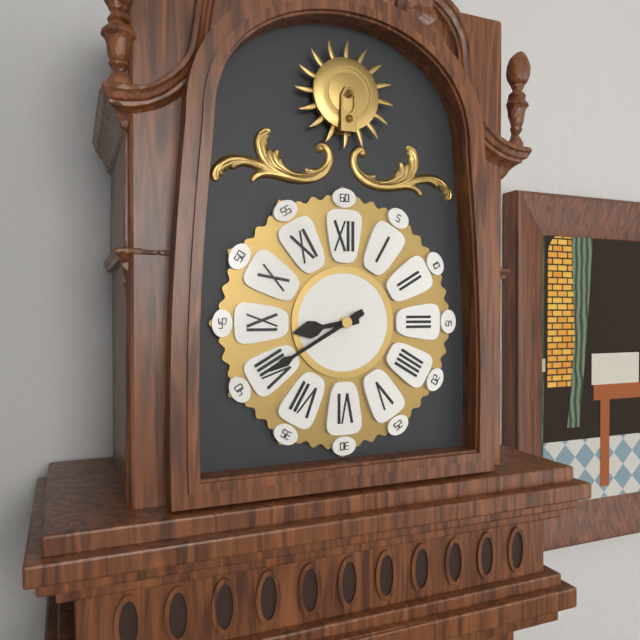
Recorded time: **8:40**
